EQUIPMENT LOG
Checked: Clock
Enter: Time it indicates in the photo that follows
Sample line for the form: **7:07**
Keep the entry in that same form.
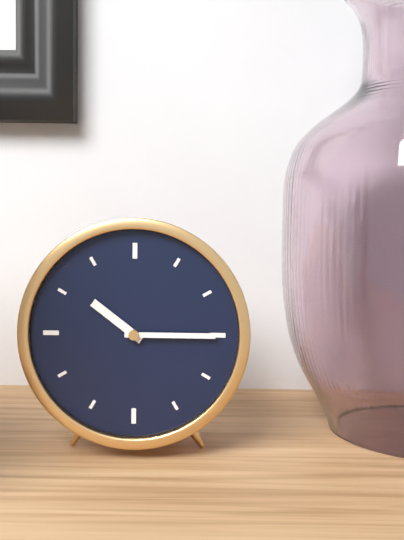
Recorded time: **10:15**
